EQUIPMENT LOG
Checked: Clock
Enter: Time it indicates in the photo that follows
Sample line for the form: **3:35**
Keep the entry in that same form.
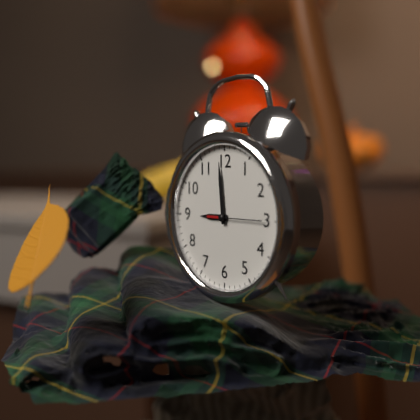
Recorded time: **8:59**
